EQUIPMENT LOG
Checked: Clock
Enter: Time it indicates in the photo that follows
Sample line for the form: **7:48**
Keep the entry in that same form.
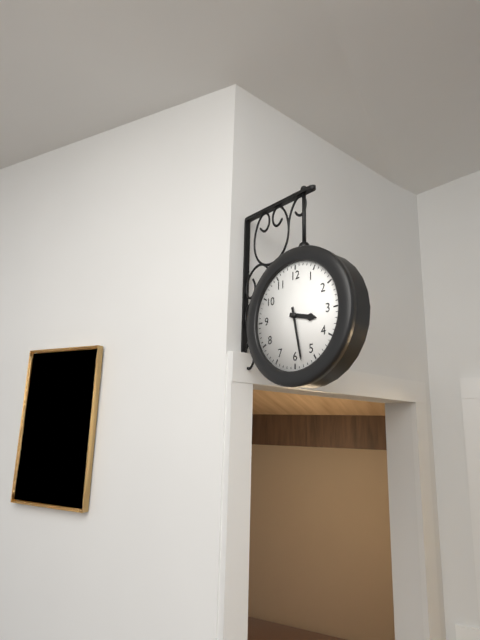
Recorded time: **3:28**
